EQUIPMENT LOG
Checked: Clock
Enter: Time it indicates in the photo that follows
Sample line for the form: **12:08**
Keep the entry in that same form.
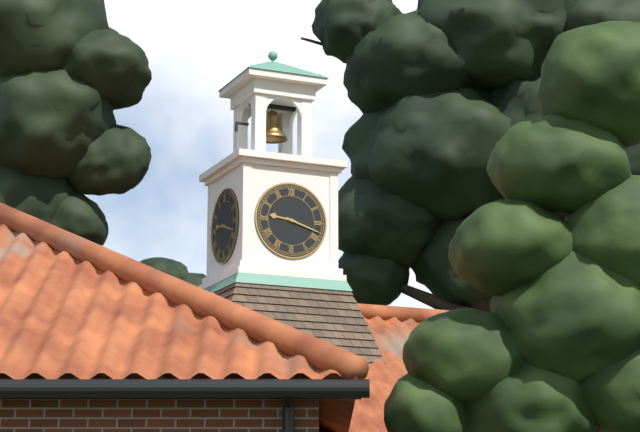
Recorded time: **9:18**
